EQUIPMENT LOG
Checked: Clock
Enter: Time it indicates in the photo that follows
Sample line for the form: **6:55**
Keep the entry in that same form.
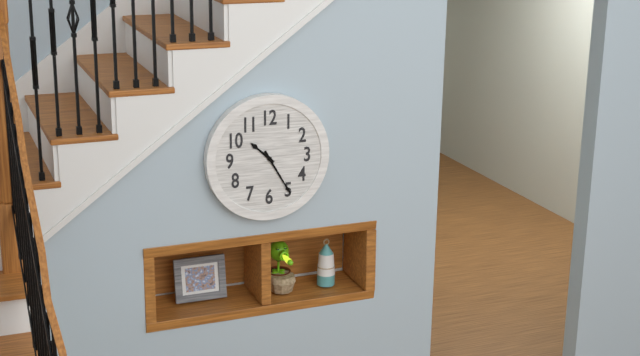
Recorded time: **10:25**
